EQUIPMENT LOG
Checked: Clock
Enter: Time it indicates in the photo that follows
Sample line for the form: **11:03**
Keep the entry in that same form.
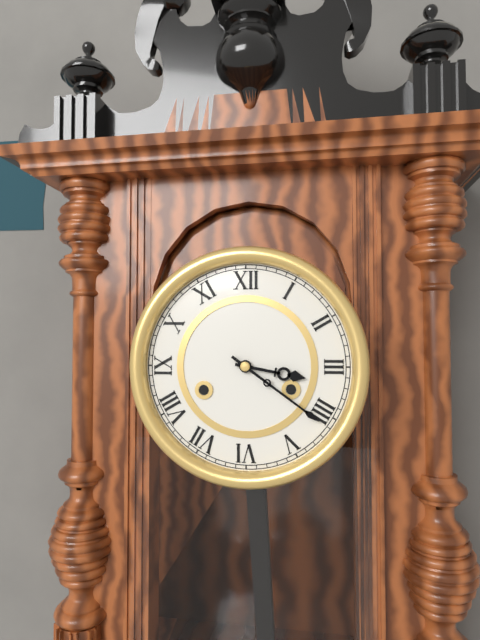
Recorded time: **3:21**
